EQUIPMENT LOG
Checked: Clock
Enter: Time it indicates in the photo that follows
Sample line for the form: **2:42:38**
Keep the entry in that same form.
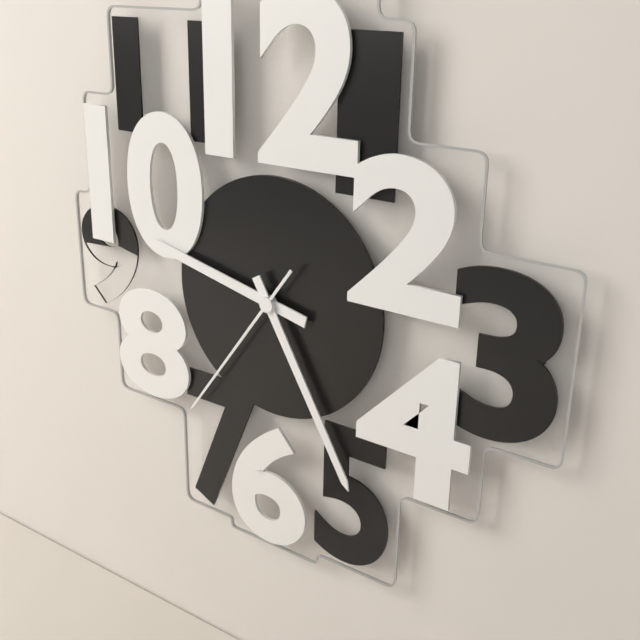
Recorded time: **9:25:36**
